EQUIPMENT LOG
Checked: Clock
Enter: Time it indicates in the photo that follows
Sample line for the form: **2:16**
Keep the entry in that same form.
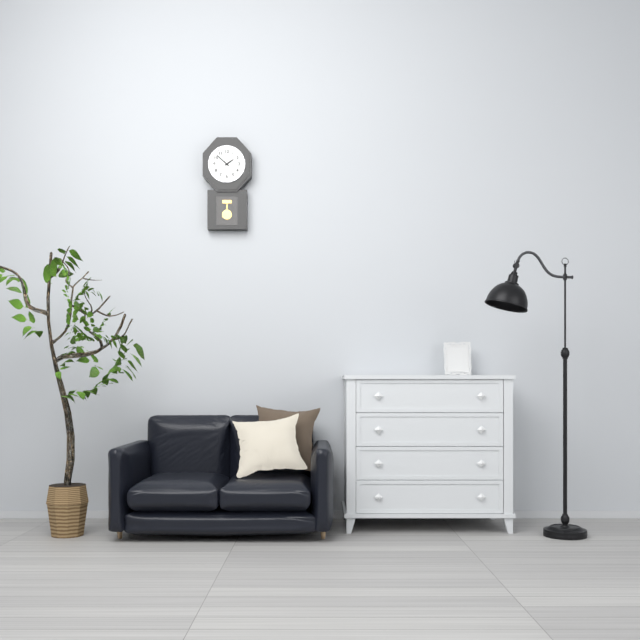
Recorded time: **1:52**
